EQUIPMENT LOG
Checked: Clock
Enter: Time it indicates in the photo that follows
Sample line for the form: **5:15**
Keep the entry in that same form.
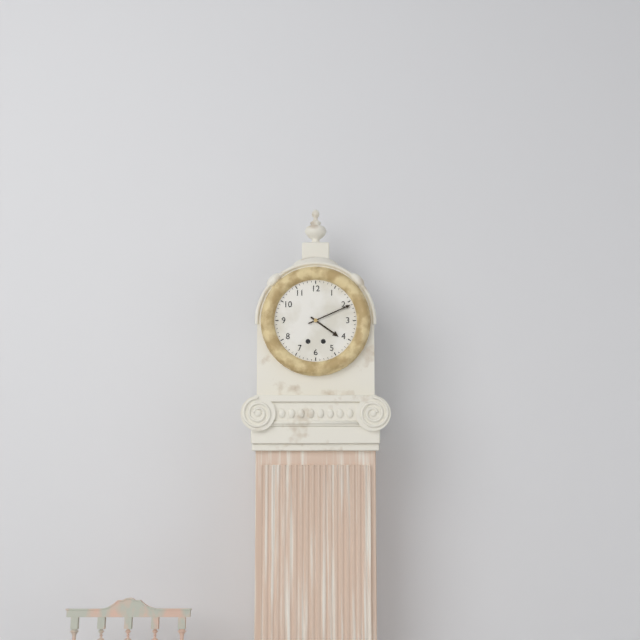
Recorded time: **4:11**
